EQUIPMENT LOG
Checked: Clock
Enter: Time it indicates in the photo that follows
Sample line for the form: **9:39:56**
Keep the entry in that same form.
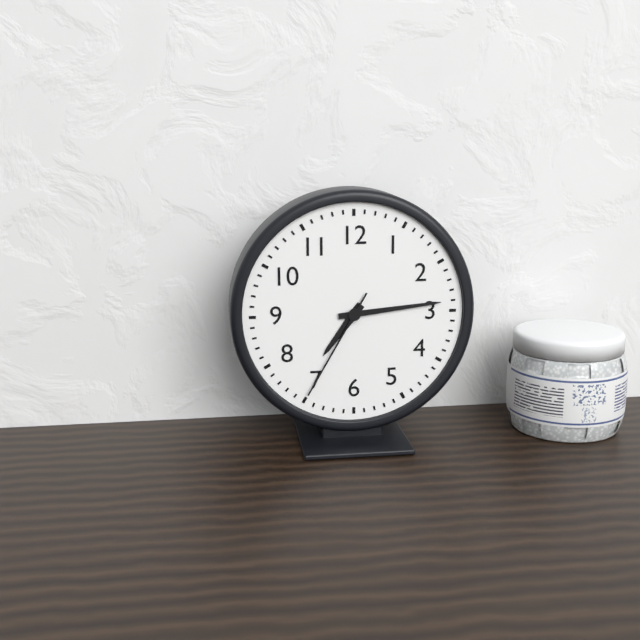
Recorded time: **7:14:35**
